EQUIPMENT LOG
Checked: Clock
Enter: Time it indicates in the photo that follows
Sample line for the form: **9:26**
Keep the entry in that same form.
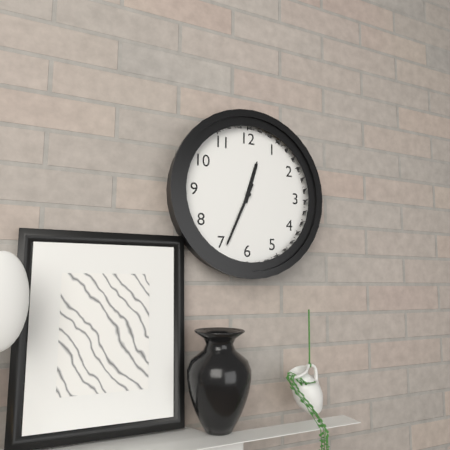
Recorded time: **12:34**
